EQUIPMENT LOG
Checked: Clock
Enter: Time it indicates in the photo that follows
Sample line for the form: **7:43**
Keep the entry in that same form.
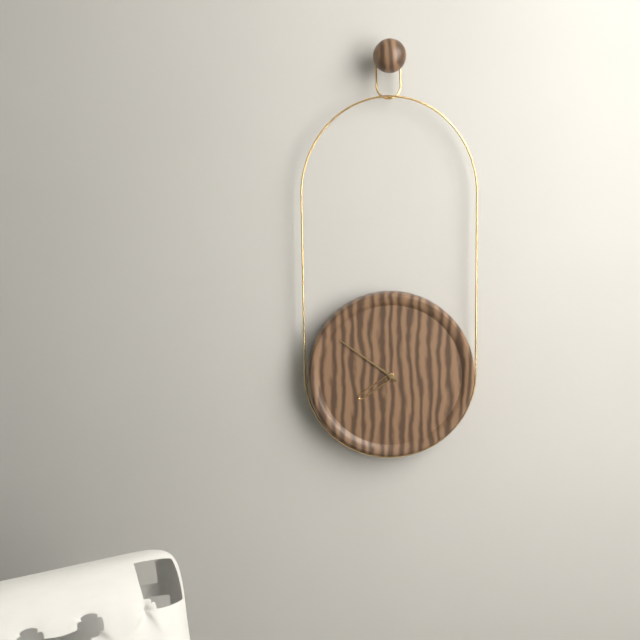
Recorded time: **7:51**
